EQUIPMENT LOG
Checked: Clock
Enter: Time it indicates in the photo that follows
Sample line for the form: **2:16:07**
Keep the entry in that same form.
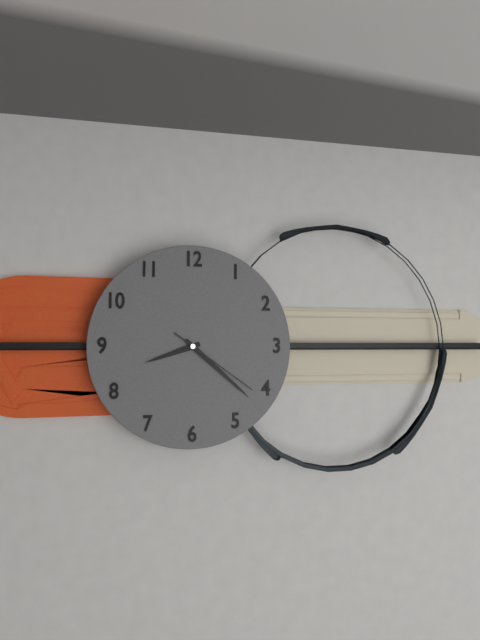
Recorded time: **8:22:21**
